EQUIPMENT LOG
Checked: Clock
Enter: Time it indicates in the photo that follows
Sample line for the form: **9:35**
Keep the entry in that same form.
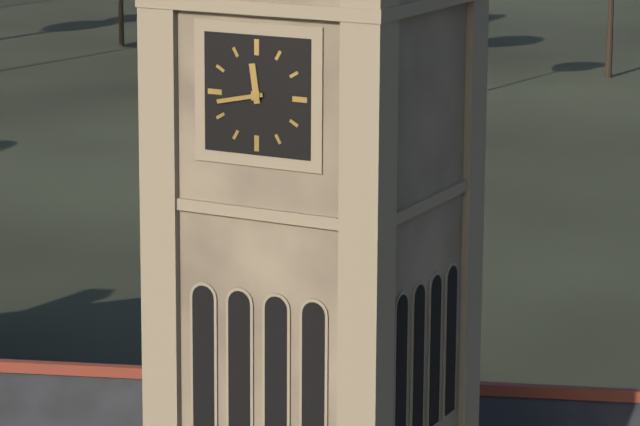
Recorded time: **11:43**
